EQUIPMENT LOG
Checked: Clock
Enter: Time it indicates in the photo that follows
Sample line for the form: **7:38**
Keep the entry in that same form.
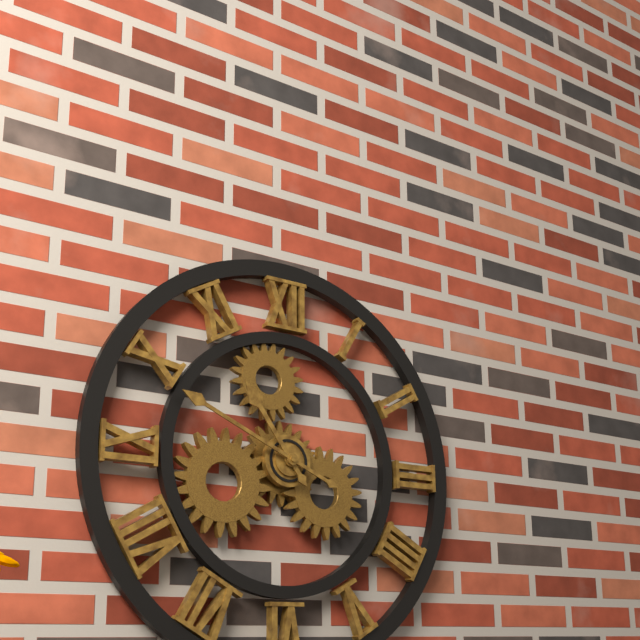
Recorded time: **10:49**
